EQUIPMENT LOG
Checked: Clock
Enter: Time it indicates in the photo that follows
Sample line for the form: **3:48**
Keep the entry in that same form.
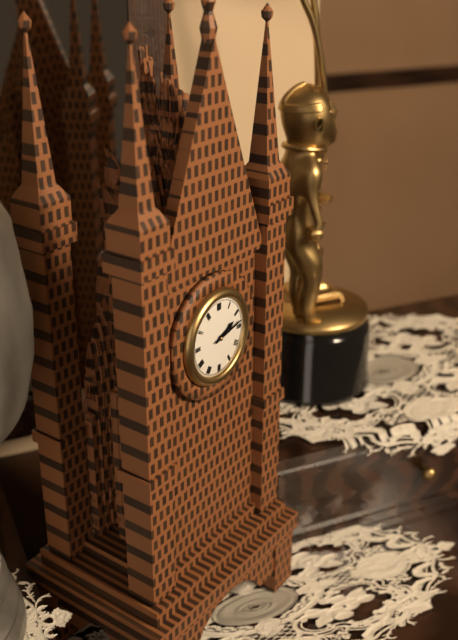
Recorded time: **2:13**
